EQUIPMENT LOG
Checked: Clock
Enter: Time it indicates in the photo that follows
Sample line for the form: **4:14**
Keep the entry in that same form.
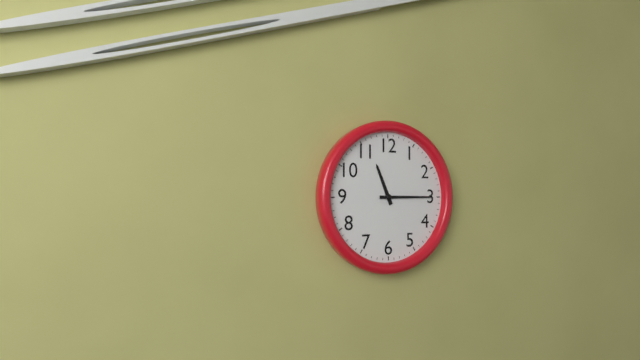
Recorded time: **11:15**
